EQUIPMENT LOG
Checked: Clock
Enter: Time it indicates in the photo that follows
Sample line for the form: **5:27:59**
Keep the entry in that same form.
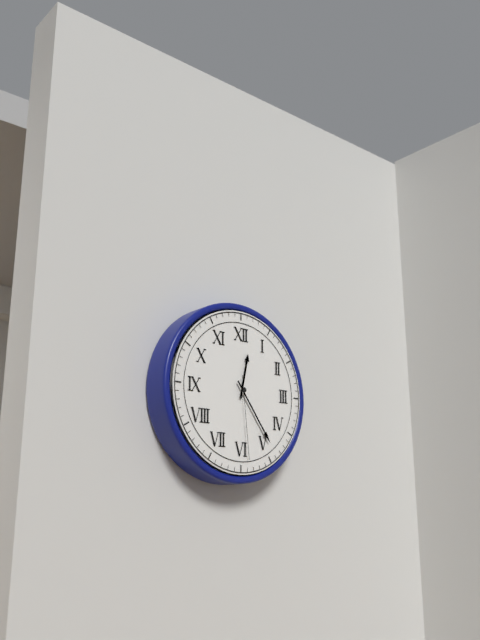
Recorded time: **12:24:29**
